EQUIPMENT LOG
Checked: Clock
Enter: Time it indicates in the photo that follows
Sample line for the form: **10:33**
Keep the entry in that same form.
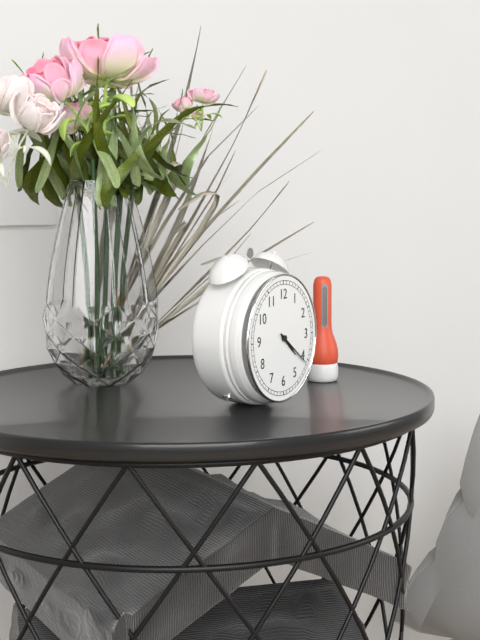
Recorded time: **4:21**
